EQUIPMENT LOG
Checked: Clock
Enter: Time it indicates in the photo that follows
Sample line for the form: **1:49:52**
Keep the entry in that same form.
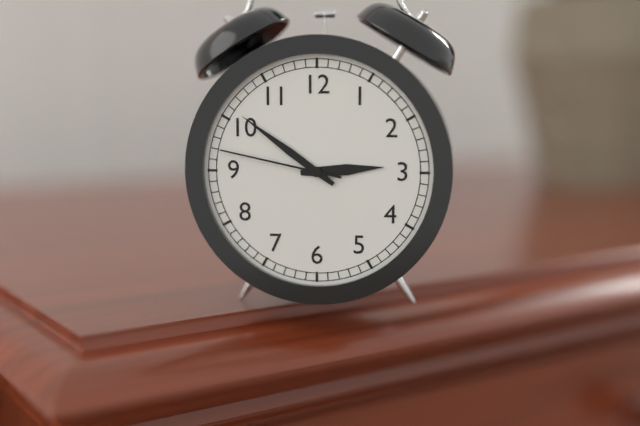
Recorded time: **2:51:47**
